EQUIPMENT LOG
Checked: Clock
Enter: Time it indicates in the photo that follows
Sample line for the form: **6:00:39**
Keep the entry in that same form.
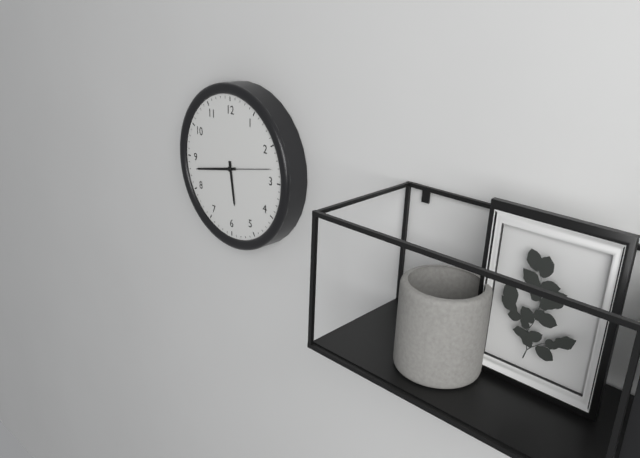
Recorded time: **5:43:13**
